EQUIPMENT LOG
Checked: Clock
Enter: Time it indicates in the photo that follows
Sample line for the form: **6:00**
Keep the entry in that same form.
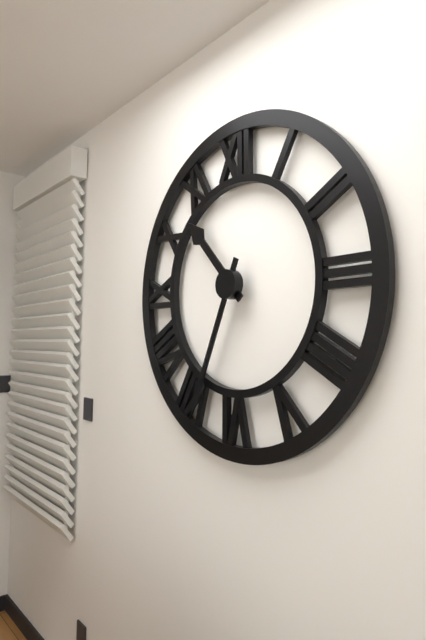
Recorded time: **10:34**
